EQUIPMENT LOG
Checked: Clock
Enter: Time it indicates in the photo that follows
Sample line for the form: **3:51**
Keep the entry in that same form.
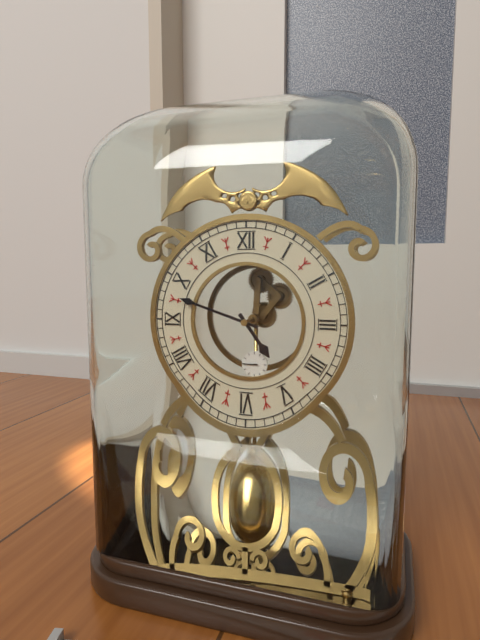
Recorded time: **4:48**
